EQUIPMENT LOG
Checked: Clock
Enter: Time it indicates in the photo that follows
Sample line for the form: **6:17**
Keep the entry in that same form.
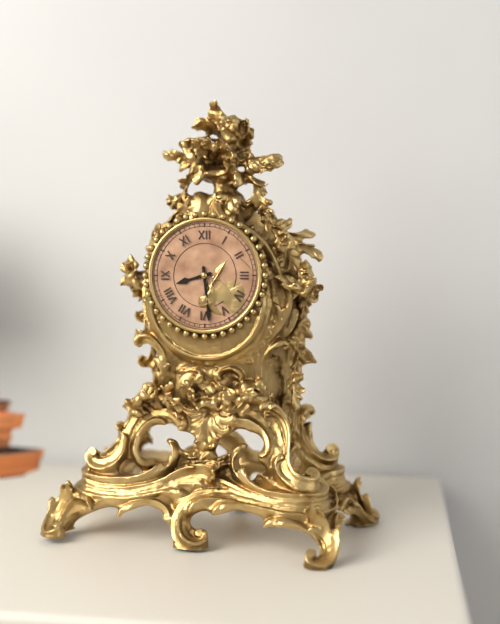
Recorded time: **8:29**
